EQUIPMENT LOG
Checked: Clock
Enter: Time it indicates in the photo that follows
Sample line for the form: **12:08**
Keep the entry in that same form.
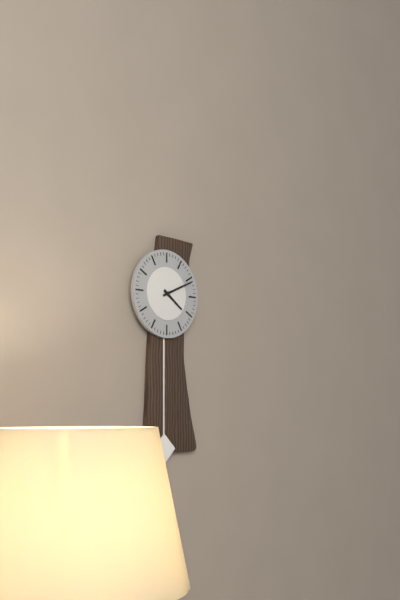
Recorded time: **4:11**
